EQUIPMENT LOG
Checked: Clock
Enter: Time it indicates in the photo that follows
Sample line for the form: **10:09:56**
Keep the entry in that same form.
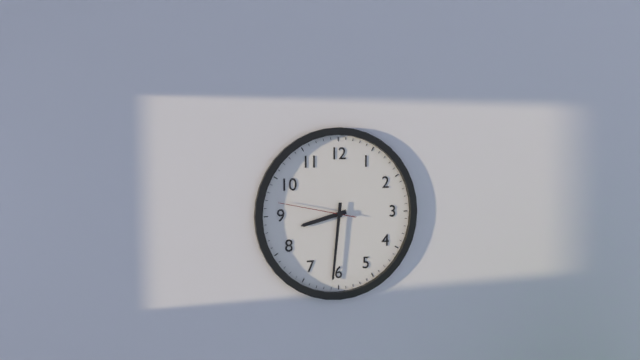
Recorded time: **8:31:47**
